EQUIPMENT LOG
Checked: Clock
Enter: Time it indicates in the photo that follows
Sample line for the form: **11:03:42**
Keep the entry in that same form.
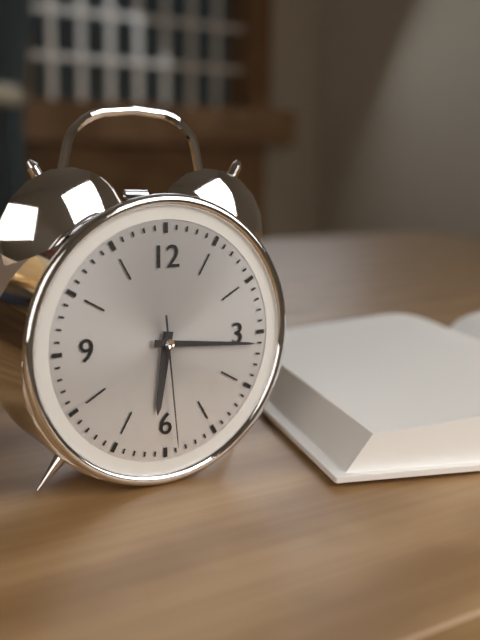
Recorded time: **6:16:29**
